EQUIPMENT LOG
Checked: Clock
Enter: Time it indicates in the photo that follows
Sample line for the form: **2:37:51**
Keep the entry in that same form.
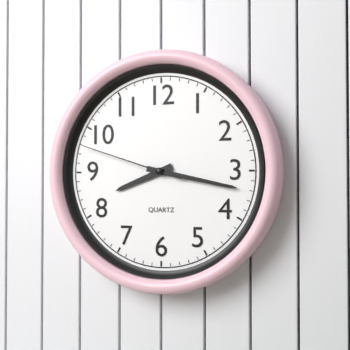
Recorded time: **8:17:48**
